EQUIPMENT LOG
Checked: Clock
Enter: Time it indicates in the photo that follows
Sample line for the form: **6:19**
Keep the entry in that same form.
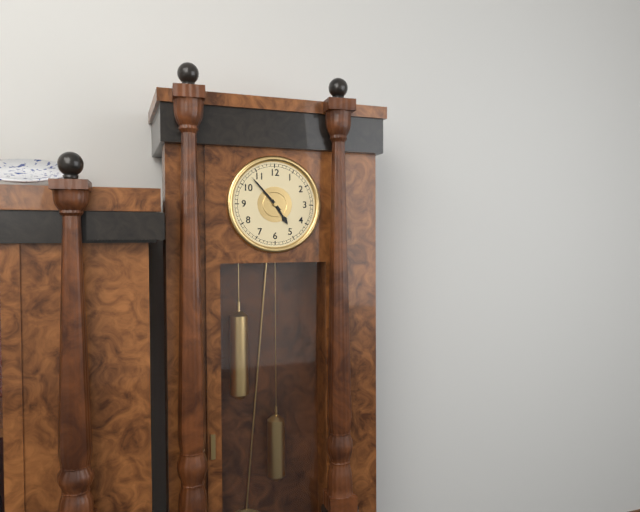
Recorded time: **4:53**
